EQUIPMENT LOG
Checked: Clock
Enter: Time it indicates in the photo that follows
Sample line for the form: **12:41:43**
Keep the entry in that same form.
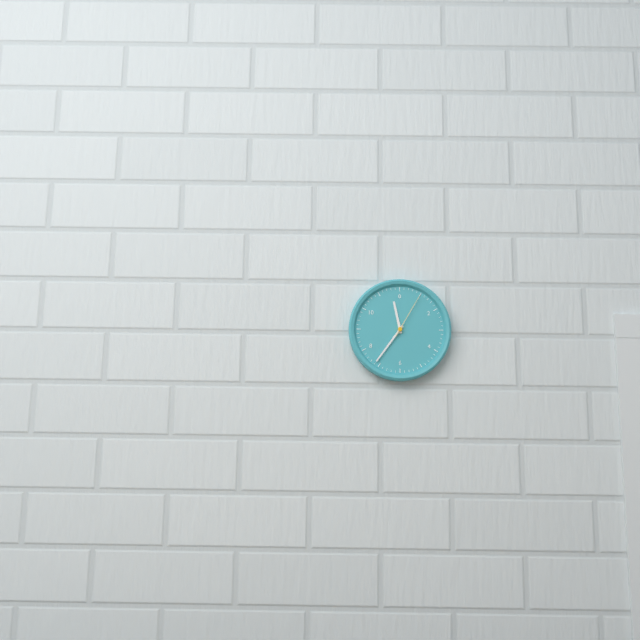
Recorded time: **11:36:05**
